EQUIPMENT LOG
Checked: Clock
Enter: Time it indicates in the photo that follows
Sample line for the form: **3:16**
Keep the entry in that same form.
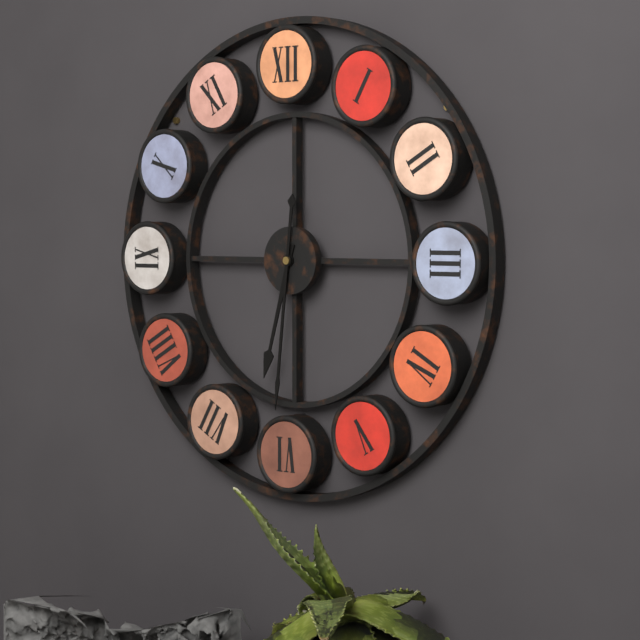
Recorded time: **6:31**
